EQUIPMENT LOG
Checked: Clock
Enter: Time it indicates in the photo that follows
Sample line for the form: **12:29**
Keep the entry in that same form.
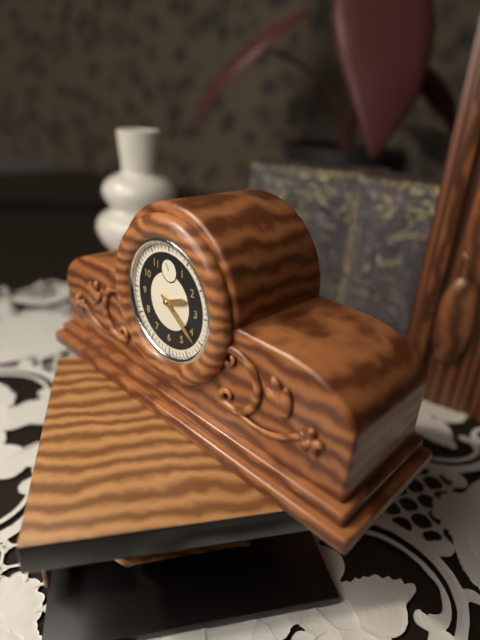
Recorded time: **2:21**
